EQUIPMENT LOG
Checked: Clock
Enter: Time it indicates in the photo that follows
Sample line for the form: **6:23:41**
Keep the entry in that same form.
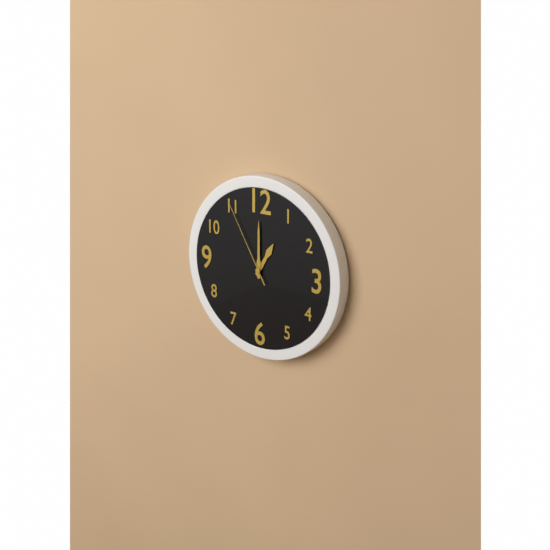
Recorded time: **1:00:55**
